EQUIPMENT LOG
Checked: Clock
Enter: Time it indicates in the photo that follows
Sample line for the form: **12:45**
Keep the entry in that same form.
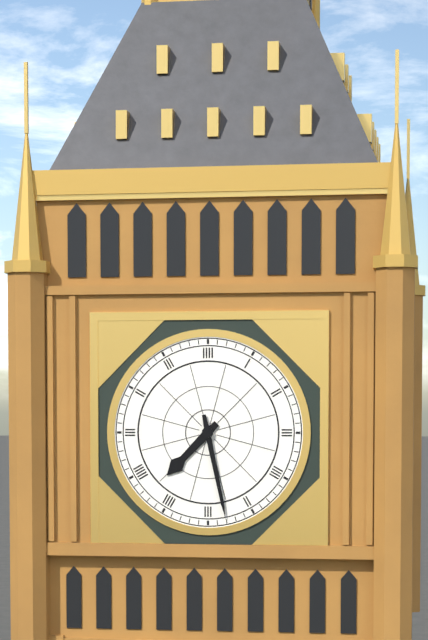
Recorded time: **7:28**
